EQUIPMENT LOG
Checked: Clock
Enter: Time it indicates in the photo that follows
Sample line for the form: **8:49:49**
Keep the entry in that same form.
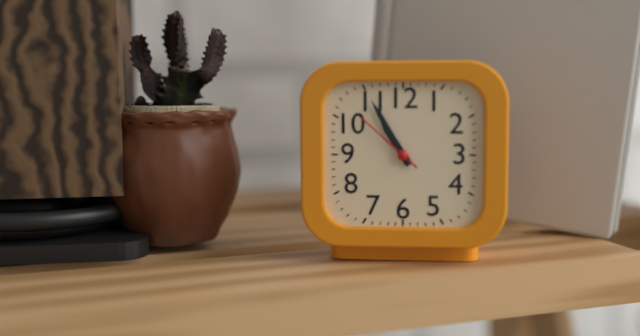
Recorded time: **10:55:52**
